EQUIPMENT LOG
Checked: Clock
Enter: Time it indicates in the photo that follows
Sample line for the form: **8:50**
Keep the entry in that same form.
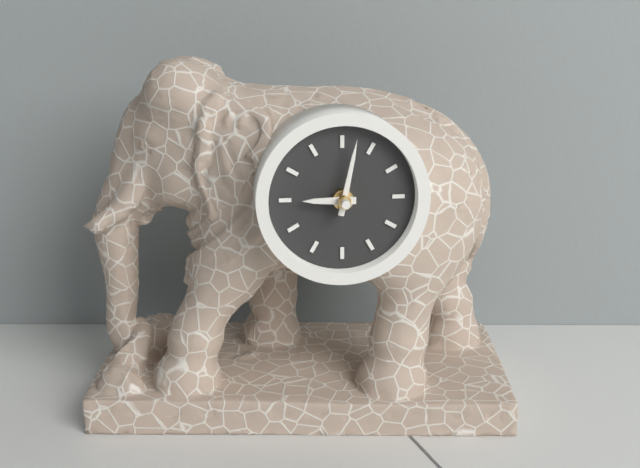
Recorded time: **9:02**
